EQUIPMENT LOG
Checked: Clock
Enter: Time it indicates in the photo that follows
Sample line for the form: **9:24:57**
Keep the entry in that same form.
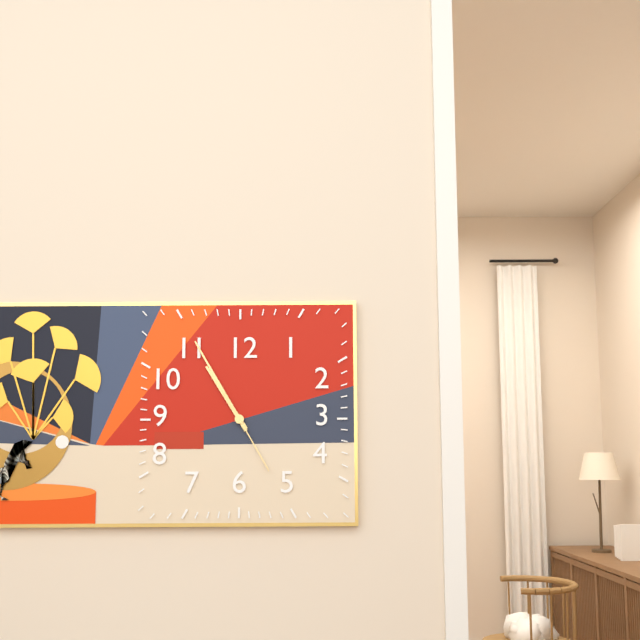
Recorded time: **10:55:25**
